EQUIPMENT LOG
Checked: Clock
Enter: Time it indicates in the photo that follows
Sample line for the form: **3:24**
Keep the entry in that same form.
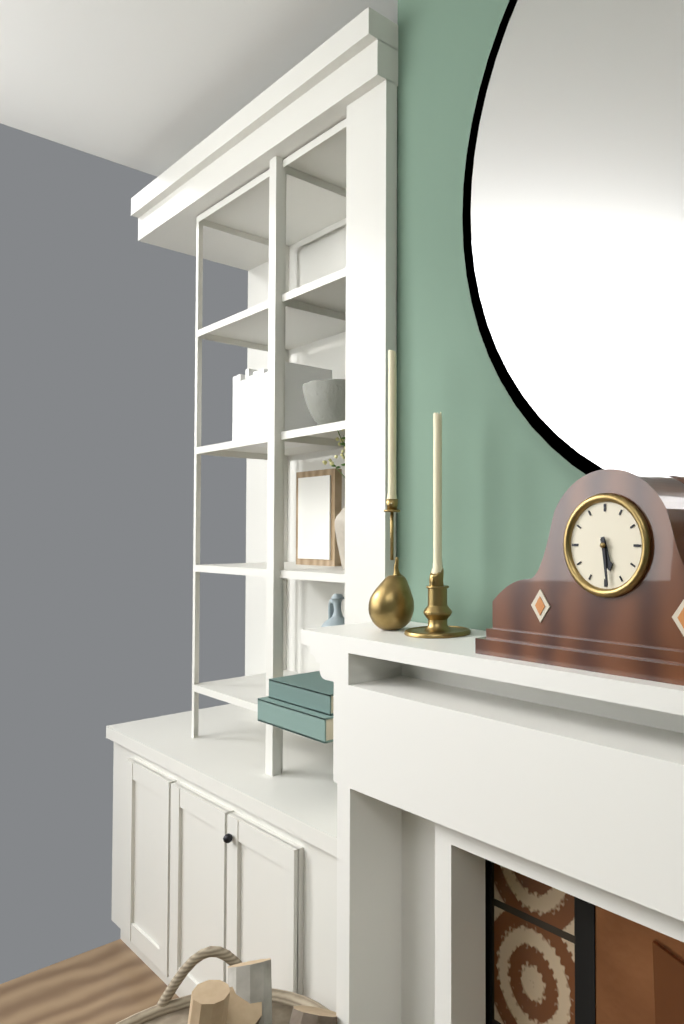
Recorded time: **5:29**
